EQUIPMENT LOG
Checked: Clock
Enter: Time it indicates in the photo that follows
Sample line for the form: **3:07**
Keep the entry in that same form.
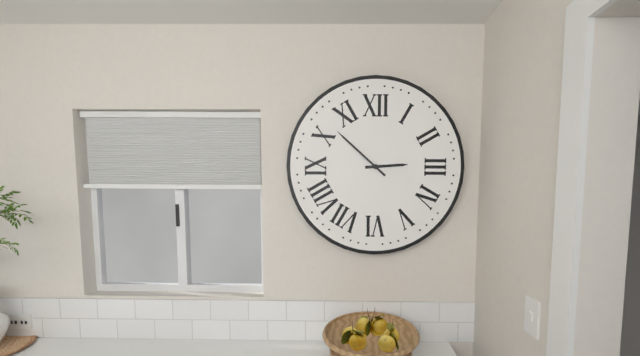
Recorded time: **2:52**
